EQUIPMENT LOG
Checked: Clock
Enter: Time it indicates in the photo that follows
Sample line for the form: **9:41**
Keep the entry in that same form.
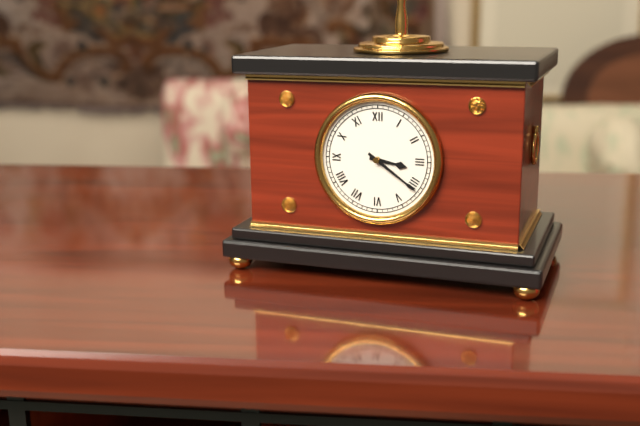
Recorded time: **3:21**
